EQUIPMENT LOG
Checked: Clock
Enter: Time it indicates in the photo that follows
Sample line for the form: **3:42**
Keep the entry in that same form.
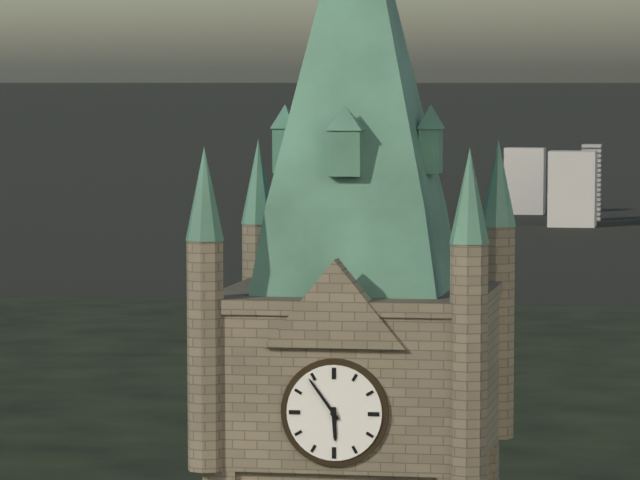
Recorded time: **5:54**
